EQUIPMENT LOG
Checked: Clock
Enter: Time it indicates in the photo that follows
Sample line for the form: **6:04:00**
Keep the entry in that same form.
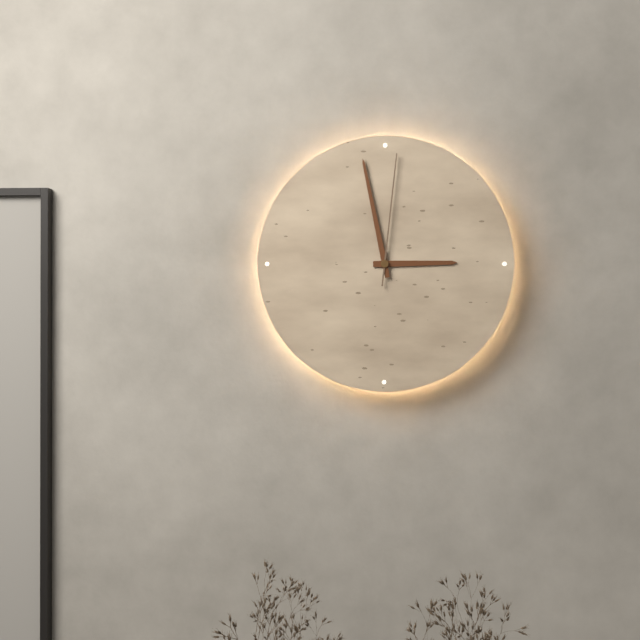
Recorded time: **2:58:01**
